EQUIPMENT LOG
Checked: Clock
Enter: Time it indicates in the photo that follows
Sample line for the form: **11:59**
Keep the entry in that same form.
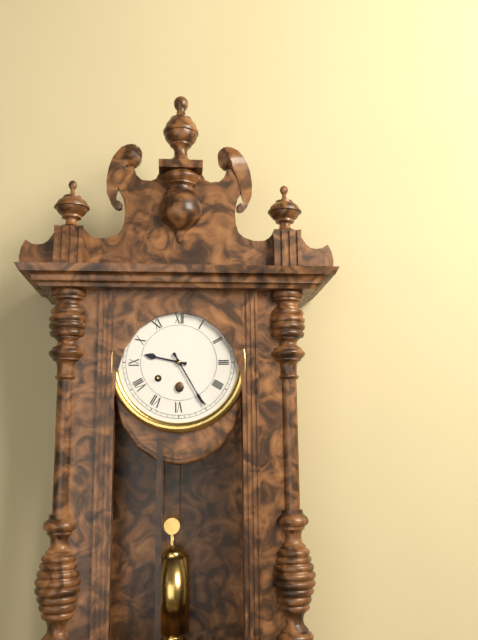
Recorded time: **9:25**
